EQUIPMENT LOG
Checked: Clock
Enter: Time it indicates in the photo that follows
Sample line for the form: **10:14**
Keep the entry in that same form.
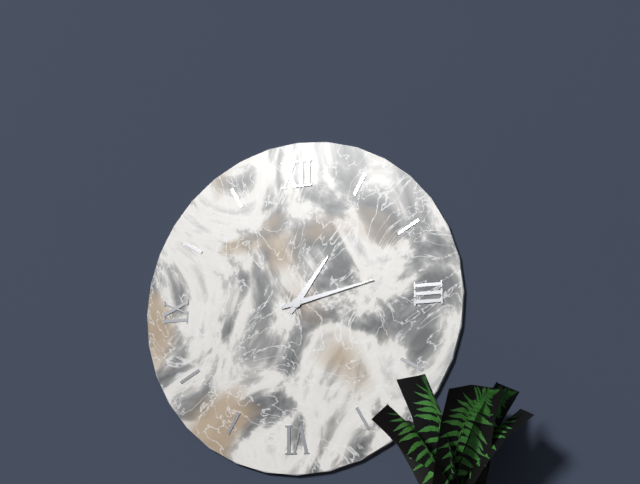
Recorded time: **1:13**
